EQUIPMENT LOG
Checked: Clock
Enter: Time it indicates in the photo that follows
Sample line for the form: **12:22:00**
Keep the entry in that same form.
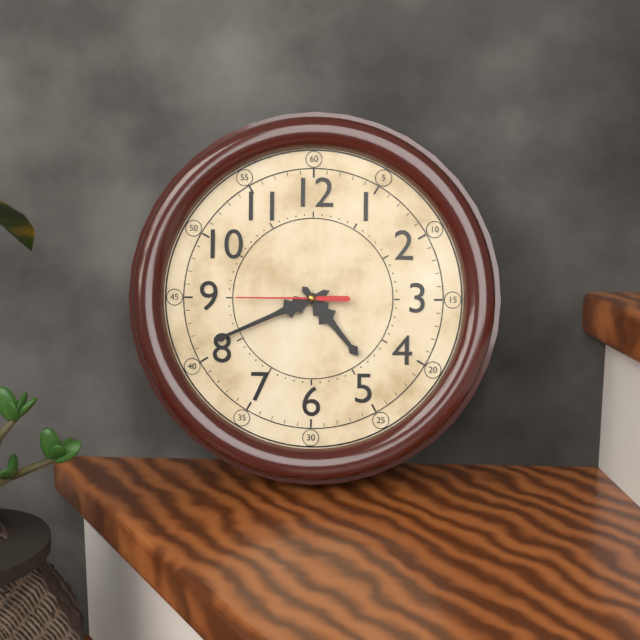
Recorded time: **4:41:45**
